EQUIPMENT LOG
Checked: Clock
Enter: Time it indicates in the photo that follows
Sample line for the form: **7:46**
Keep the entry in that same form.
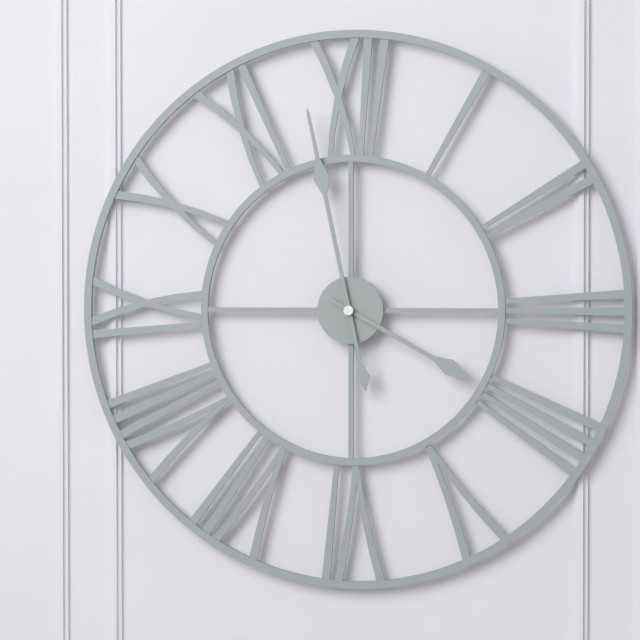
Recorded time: **3:58**
